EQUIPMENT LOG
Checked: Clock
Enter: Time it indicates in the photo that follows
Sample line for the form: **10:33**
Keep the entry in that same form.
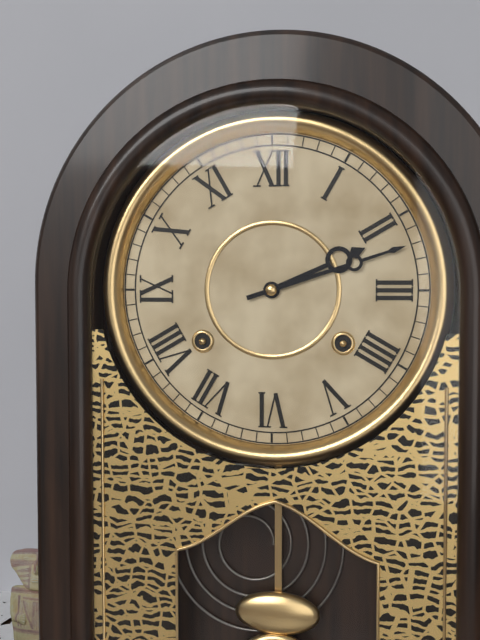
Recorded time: **2:12**
